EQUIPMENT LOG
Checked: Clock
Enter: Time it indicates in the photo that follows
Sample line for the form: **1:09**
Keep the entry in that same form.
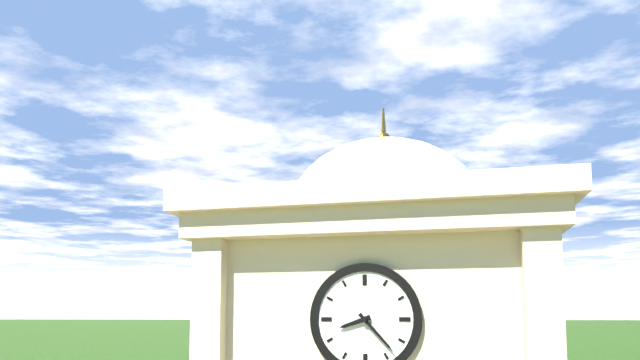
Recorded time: **8:23**
